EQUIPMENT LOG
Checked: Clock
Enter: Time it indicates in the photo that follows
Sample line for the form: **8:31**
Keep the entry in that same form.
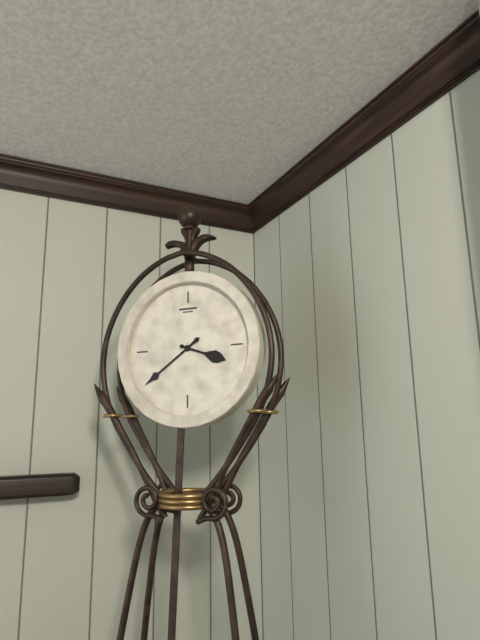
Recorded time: **3:39**
